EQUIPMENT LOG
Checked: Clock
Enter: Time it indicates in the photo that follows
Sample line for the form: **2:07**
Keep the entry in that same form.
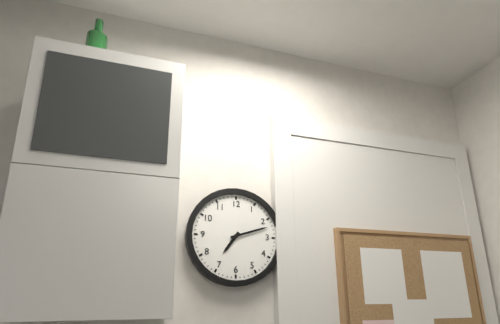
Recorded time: **7:12**
